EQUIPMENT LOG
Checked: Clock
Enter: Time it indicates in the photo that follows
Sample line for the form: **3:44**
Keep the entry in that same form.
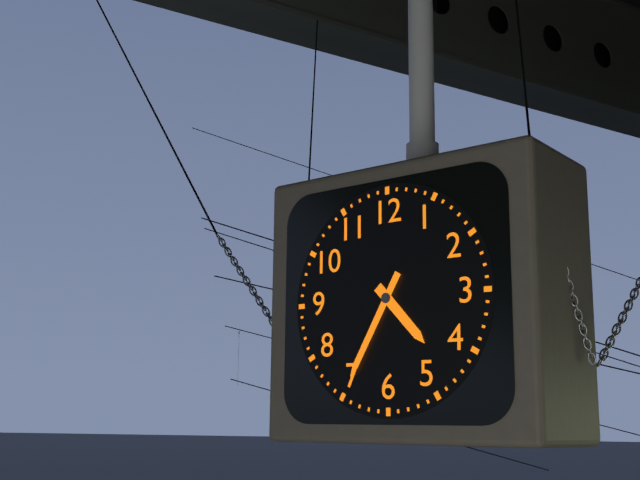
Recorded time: **4:35**
